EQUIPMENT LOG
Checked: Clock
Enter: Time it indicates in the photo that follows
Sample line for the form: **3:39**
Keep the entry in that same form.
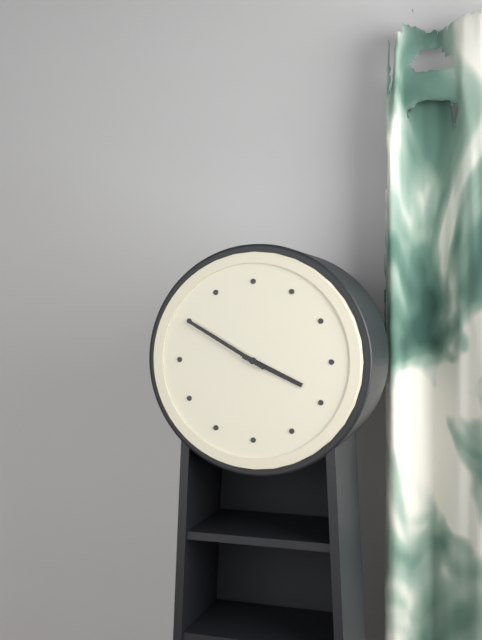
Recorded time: **3:50**
